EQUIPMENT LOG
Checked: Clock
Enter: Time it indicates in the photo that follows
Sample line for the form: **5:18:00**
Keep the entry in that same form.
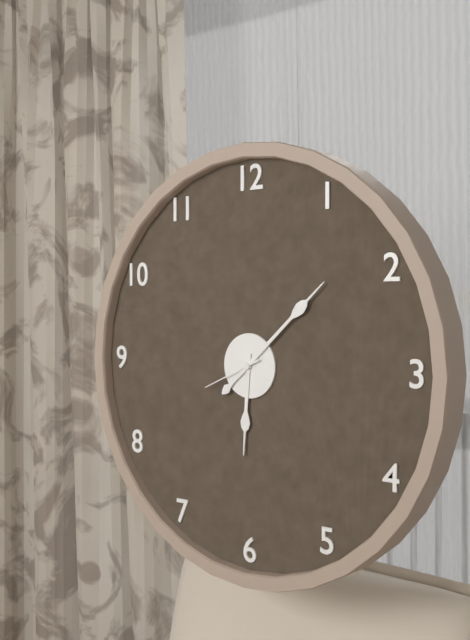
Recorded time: **6:08:41**
